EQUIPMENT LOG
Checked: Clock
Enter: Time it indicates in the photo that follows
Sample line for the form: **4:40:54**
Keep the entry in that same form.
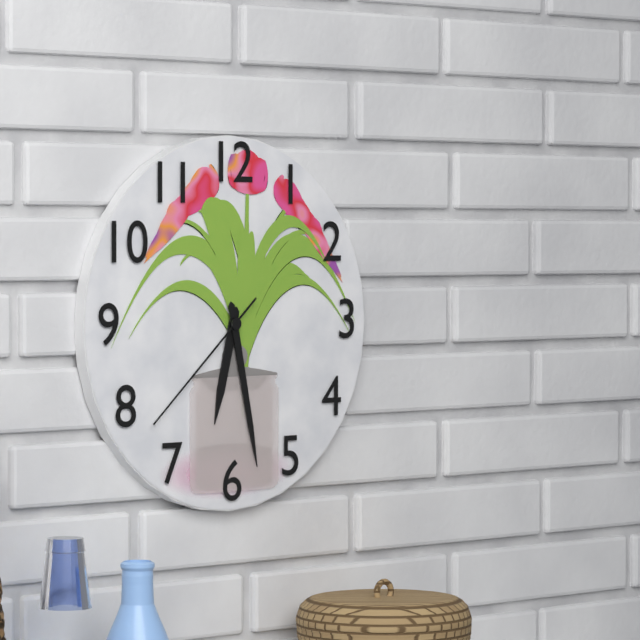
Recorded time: **6:28:38**
